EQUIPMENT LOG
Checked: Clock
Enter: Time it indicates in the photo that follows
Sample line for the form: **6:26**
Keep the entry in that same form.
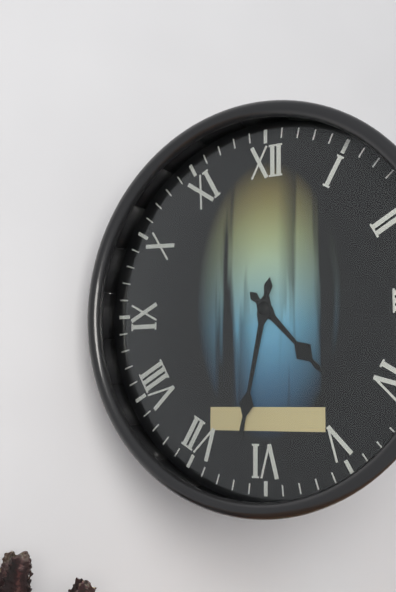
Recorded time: **4:32**
